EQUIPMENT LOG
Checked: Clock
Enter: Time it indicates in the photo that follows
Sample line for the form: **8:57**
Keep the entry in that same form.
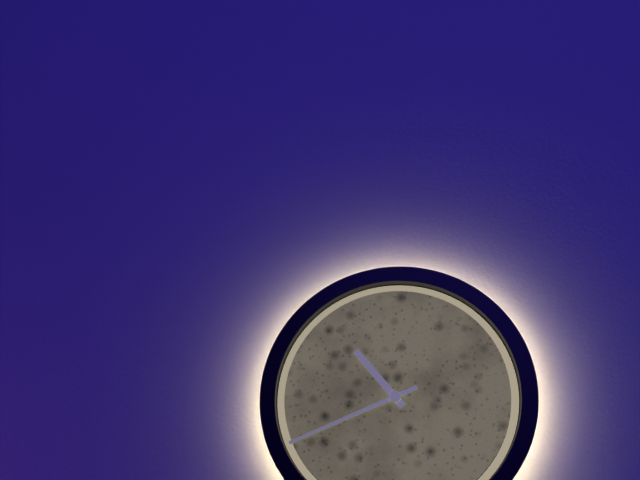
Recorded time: **10:41**
